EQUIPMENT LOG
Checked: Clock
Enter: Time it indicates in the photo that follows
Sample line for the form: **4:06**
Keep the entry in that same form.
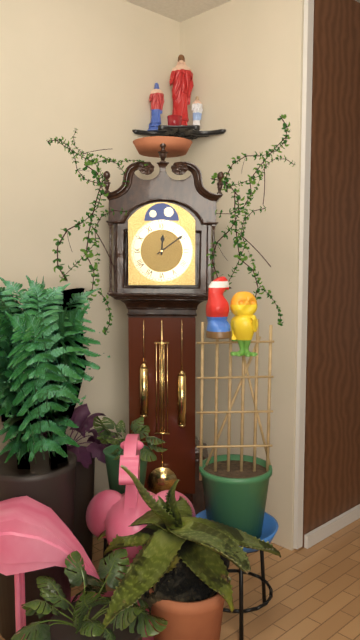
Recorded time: **12:09**
